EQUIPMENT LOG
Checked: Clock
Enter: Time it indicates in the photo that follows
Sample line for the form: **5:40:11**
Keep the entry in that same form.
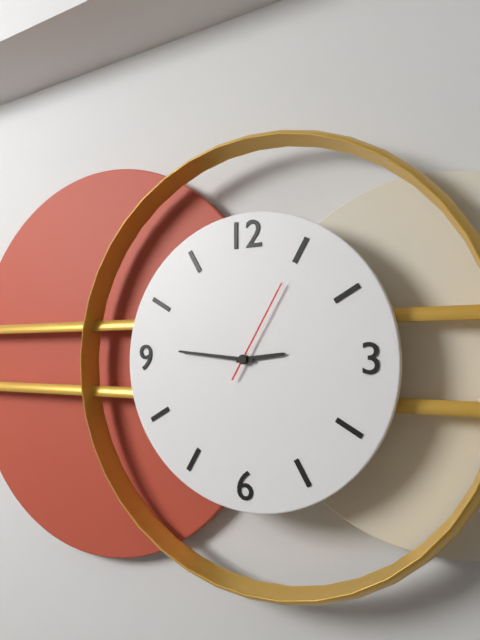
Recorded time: **2:46:05**
